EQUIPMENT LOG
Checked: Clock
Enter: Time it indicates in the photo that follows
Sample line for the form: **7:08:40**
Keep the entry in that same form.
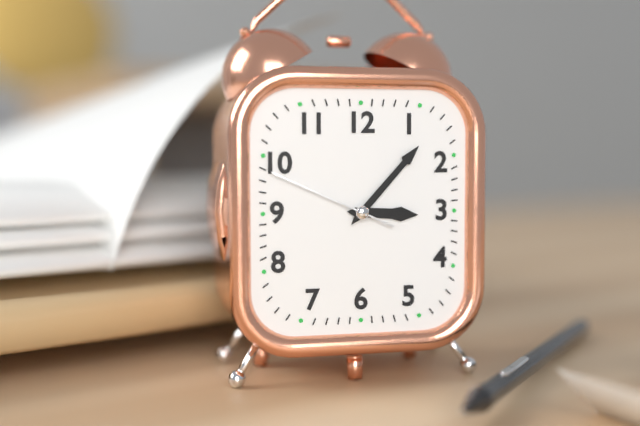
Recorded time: **3:07:49**
